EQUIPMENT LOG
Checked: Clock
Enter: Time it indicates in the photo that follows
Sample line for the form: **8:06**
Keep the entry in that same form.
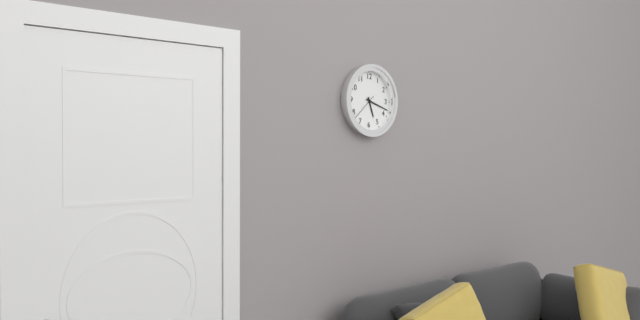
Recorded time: **5:18**
